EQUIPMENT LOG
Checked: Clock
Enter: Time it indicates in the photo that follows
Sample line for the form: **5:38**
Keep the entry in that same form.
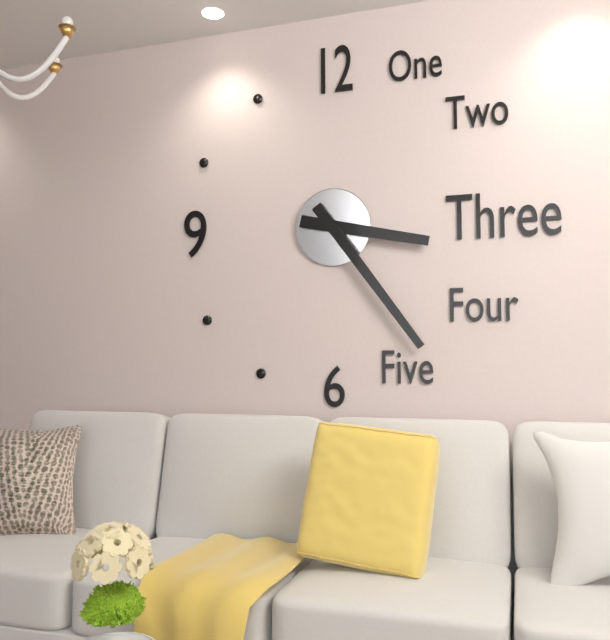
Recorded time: **3:24**
